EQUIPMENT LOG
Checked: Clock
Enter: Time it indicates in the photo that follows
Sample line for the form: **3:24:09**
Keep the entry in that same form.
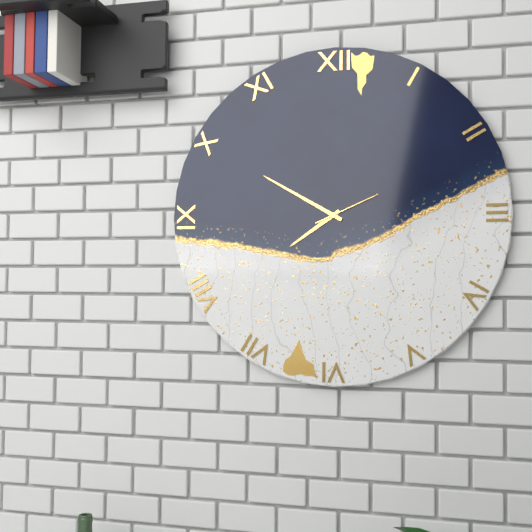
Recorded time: **7:50:11**
